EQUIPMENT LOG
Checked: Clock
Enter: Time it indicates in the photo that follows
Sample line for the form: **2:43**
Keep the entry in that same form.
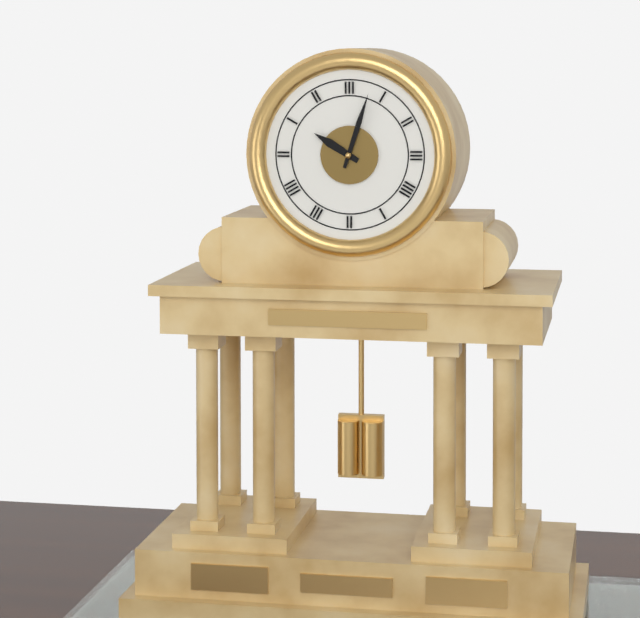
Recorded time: **10:03**
